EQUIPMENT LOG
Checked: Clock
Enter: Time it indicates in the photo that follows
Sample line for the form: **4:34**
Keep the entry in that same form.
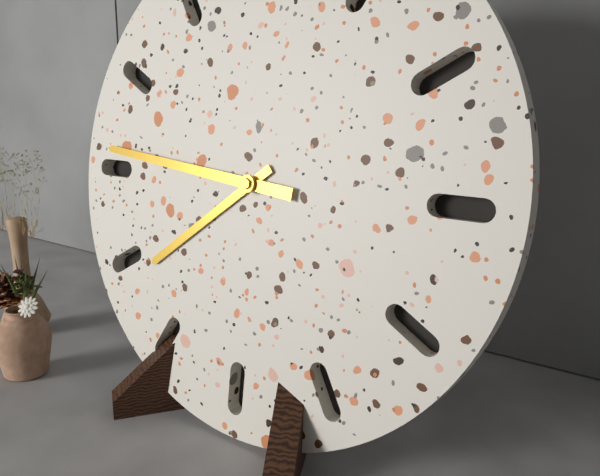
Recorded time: **7:46**
